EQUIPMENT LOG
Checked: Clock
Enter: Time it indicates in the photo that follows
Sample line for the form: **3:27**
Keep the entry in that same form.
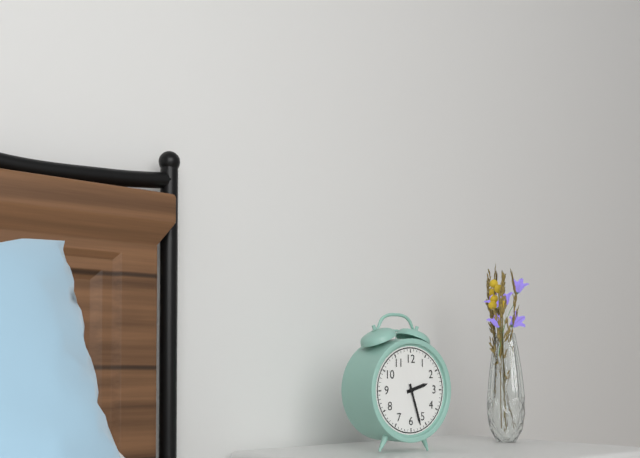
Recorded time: **2:27**
